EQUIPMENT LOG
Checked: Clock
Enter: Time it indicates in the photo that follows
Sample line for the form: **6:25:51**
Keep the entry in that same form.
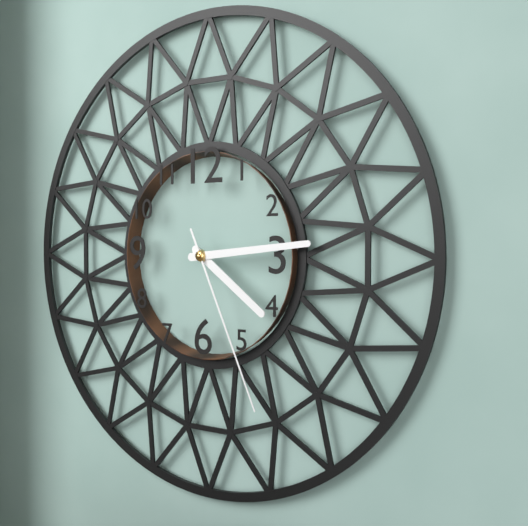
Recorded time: **4:14:26**
